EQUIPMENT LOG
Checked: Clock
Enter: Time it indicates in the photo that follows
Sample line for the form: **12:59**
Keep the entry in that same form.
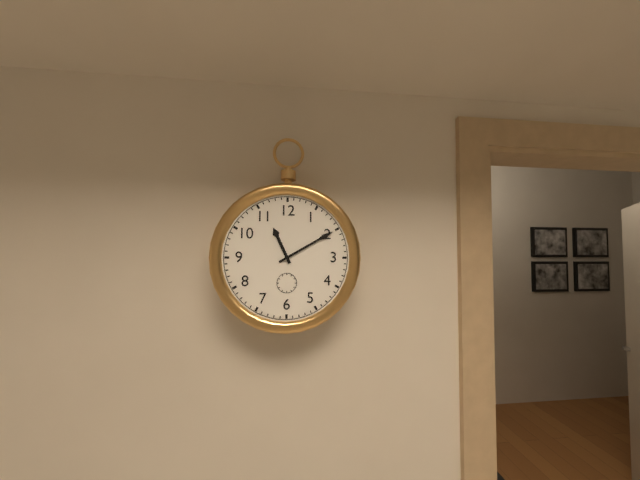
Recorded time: **11:10**
